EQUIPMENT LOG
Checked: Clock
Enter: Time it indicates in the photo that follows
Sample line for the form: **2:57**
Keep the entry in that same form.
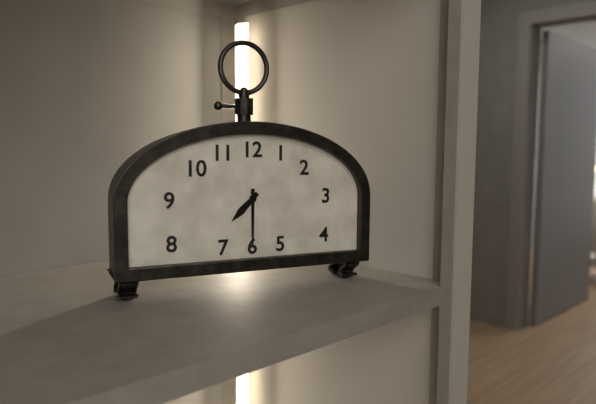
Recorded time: **7:30**
